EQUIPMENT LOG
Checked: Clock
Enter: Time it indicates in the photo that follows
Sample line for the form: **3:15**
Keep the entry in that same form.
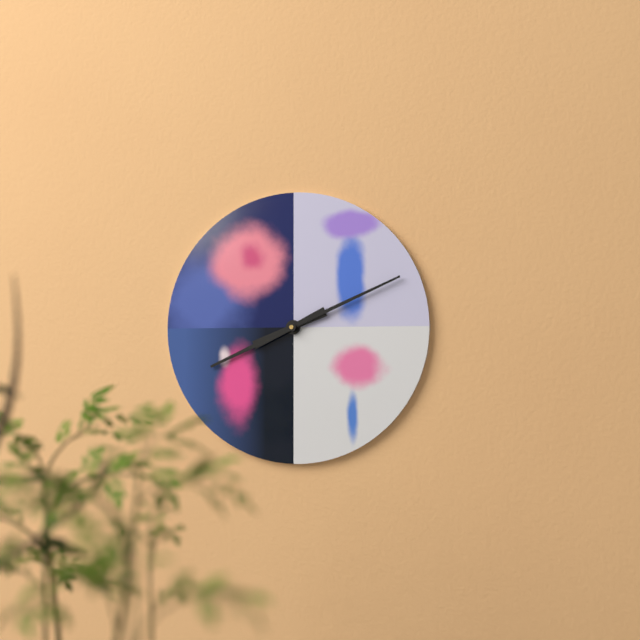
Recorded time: **8:11**
